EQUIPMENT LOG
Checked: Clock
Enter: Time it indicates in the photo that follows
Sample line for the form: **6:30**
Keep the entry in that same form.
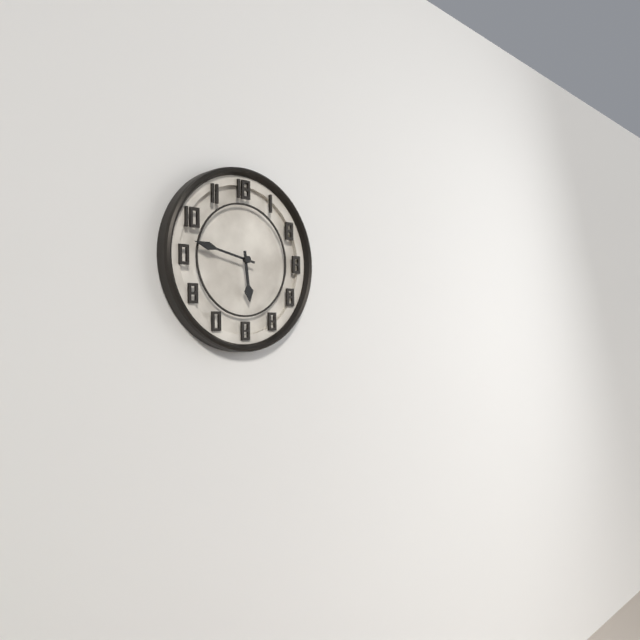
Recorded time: **5:47**
